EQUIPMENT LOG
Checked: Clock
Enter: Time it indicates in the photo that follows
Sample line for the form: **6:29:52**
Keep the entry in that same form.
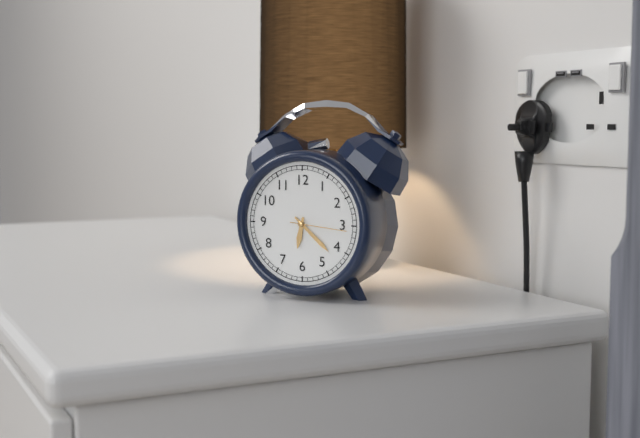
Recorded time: **6:22:16**
